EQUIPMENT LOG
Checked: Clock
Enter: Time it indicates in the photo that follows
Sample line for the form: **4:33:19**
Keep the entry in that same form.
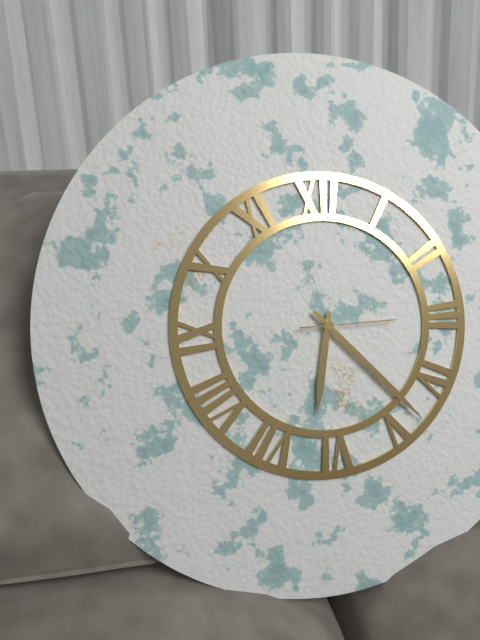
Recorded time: **6:23:15**
